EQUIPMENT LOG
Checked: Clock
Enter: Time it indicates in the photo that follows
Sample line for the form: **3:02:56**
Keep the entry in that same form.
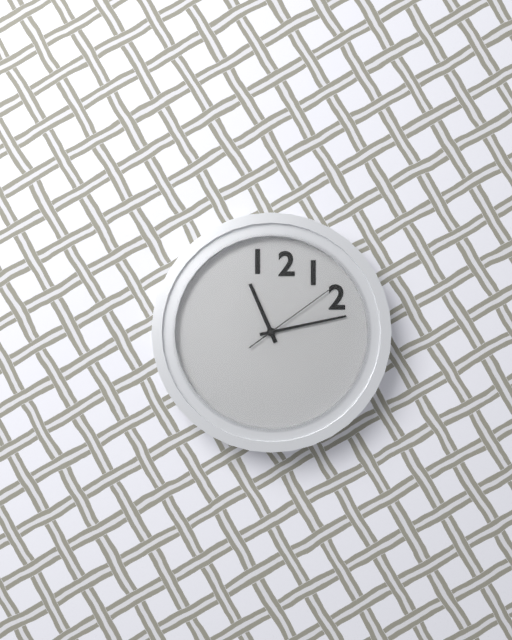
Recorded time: **11:13:09**
